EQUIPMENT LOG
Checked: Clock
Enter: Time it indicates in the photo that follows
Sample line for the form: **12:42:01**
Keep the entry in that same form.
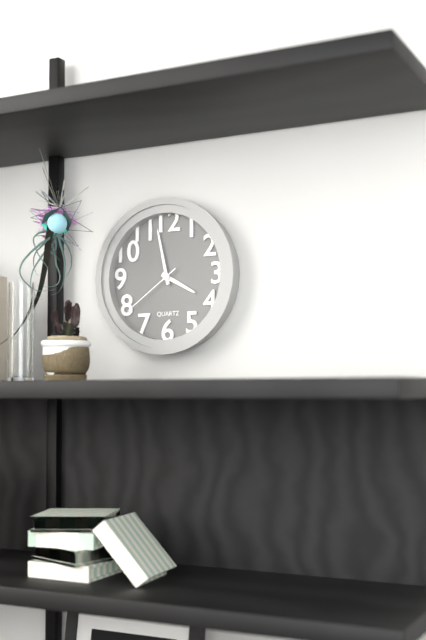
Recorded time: **3:58:39**
